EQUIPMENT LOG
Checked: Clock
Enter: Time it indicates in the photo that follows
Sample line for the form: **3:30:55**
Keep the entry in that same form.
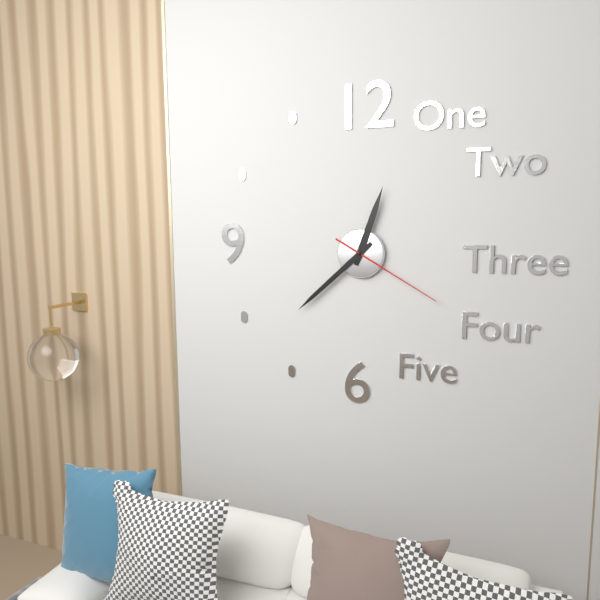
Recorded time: **12:38:20**
